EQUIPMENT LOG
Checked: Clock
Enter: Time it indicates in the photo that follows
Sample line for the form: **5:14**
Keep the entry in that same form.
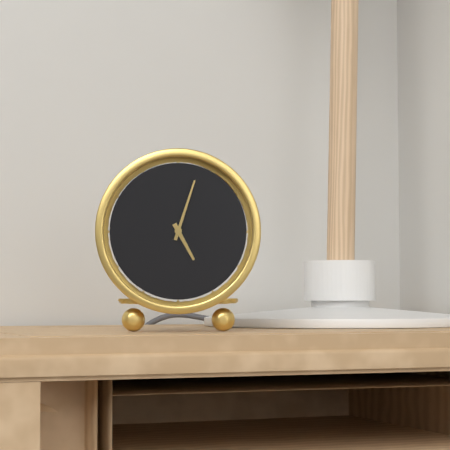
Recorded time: **5:03**
